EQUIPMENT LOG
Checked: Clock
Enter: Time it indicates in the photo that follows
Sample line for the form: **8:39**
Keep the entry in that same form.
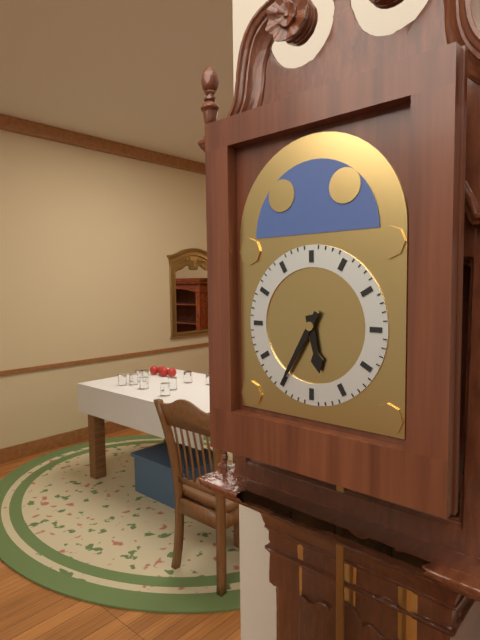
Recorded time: **5:35**
